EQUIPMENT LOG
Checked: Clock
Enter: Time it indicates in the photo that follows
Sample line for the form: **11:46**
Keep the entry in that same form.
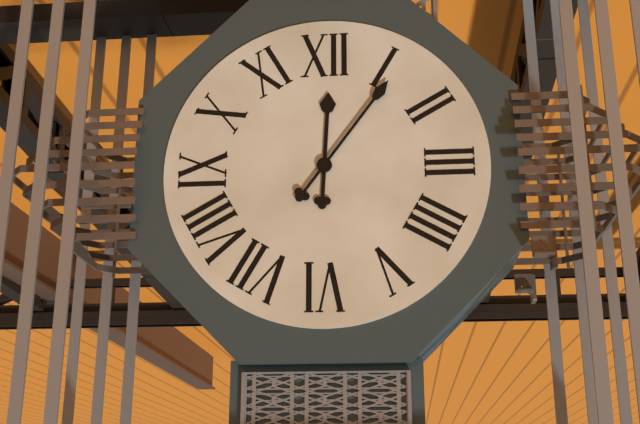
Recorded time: **12:06**
